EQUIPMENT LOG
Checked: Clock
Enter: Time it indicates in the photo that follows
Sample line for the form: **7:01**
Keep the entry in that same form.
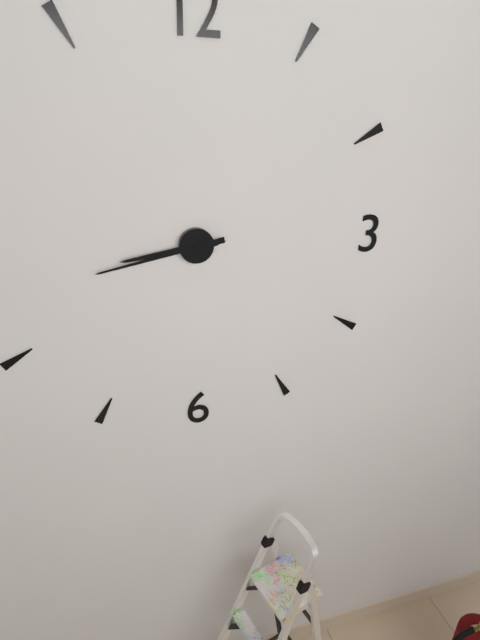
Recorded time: **8:43**
